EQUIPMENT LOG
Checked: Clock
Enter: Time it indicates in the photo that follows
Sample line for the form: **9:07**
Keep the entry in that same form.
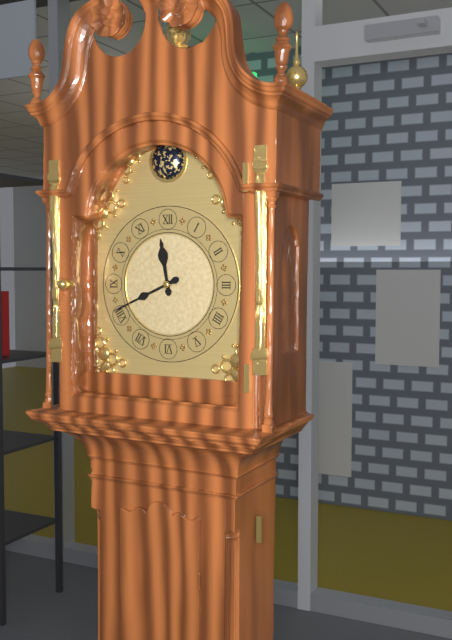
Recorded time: **11:41**
